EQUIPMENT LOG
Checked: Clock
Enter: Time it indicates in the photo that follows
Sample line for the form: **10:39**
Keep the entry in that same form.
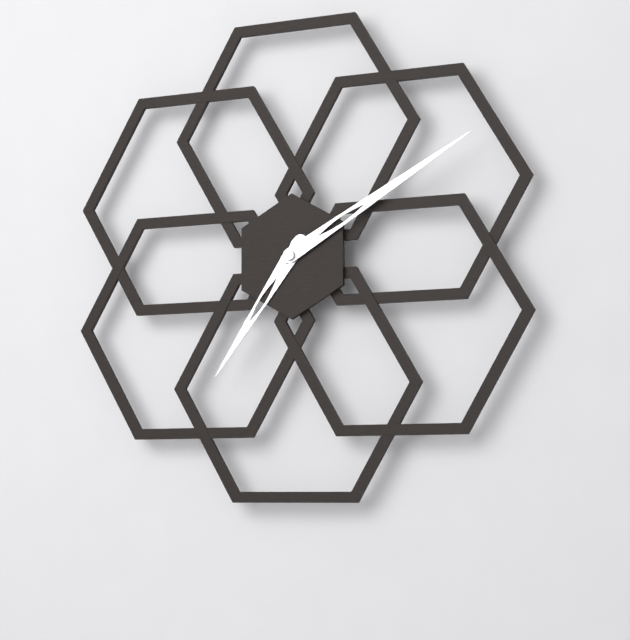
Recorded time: **7:10**
